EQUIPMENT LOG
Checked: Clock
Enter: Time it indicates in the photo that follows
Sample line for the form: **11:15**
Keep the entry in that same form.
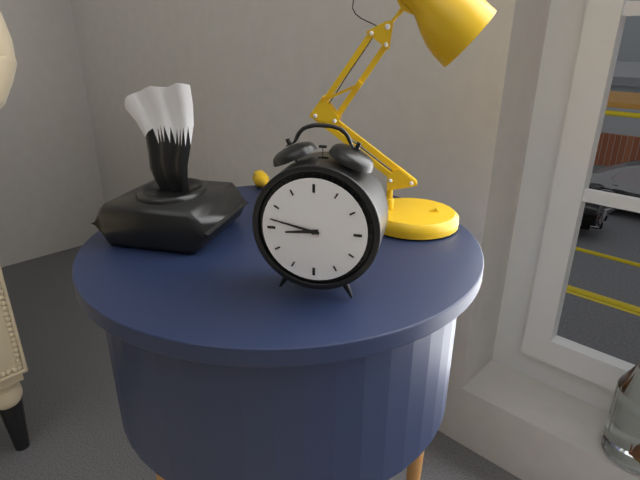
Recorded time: **8:47**
